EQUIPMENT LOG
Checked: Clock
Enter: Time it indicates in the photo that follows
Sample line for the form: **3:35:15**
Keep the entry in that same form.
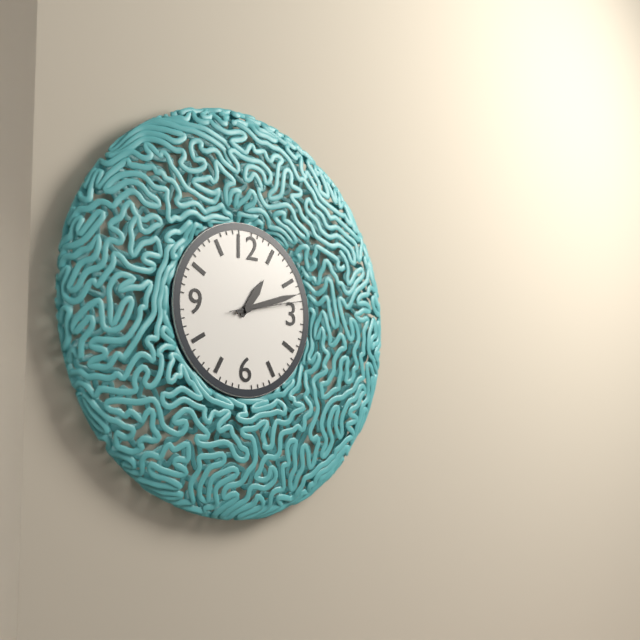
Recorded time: **1:12:13**
